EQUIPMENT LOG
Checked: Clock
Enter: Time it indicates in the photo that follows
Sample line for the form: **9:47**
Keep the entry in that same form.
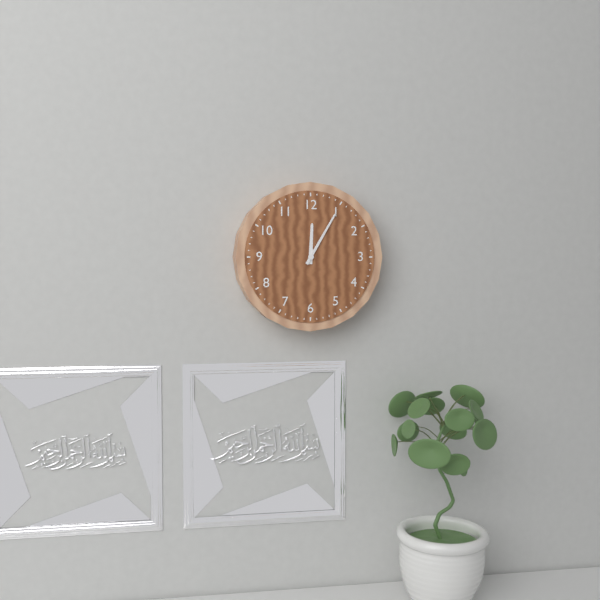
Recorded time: **12:05**
